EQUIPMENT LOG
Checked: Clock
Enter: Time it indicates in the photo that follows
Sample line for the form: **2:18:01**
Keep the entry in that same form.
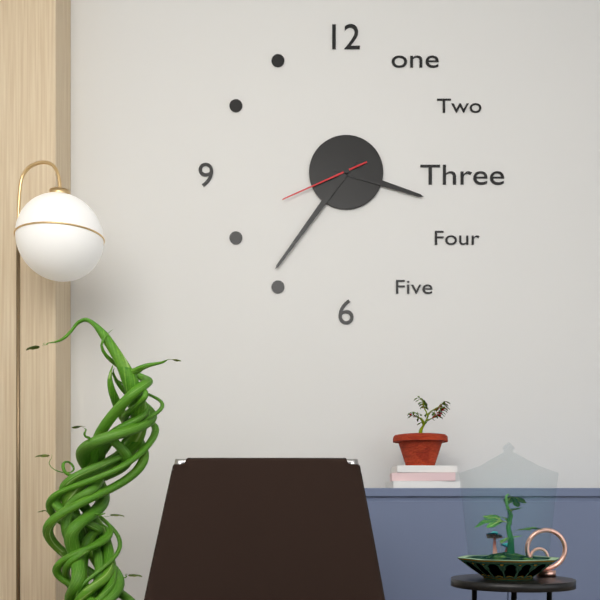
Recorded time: **3:36:41**
